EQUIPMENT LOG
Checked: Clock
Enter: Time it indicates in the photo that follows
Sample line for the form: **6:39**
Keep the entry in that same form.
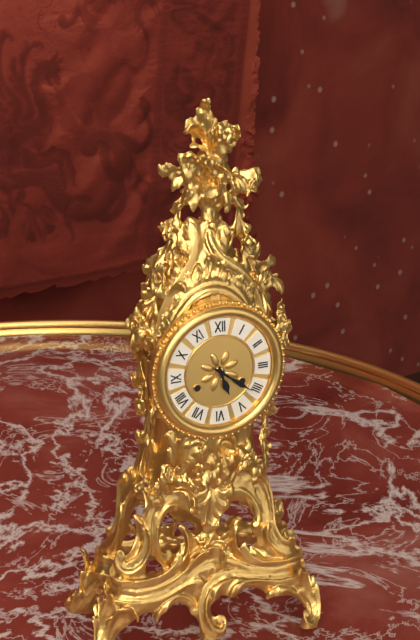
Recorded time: **5:21**
